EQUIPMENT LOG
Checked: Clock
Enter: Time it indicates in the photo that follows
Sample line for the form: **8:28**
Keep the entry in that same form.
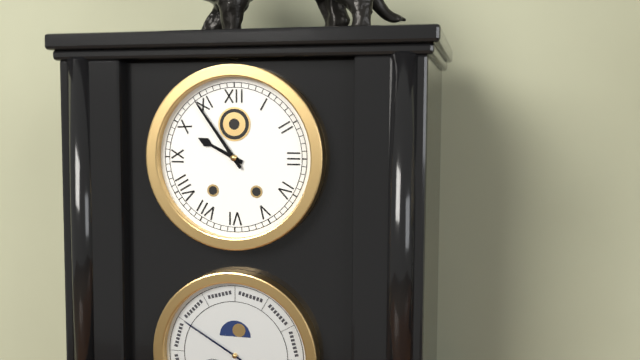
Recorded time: **9:54**
